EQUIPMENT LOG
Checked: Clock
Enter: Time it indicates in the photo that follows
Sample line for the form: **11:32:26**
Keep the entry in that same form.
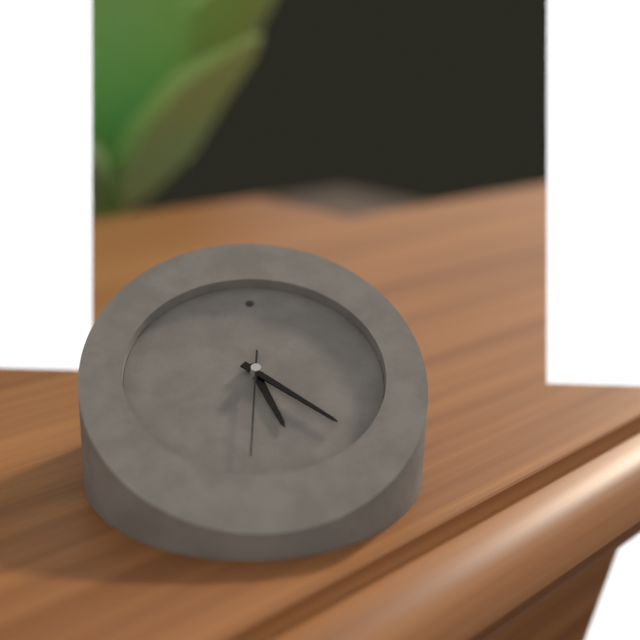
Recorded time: **5:22:31**
